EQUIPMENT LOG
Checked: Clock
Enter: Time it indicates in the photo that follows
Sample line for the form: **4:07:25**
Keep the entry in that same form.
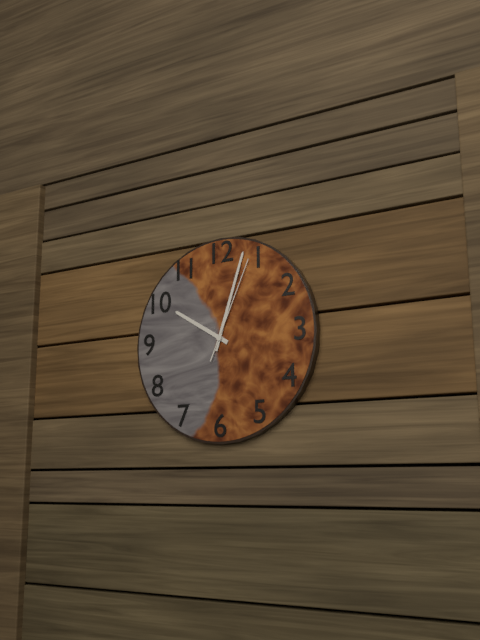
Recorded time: **10:03:04**
